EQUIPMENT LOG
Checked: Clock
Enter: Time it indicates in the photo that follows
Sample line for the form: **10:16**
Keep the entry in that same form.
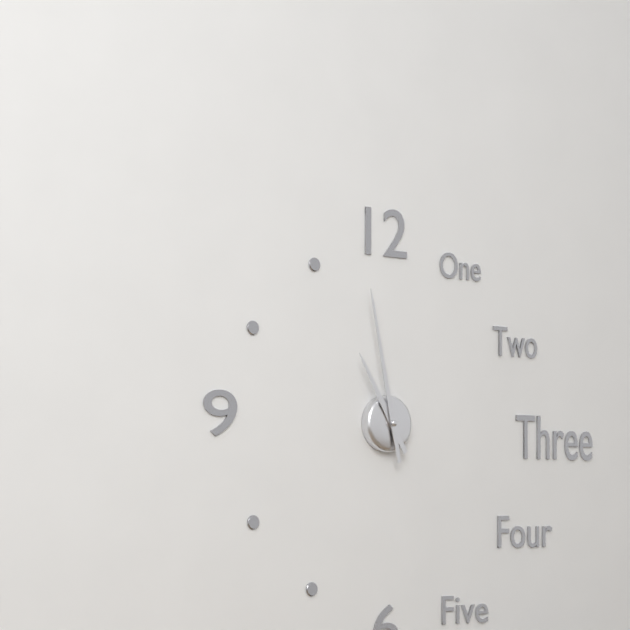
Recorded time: **10:58**
